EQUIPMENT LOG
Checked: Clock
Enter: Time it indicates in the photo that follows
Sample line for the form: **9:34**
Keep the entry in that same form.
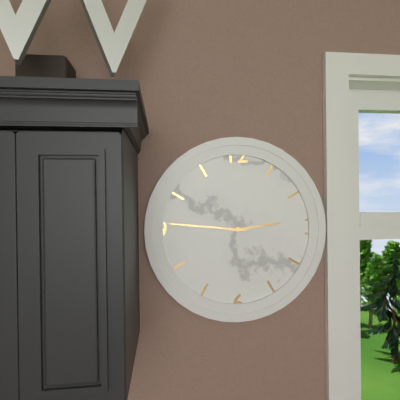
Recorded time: **2:46**
